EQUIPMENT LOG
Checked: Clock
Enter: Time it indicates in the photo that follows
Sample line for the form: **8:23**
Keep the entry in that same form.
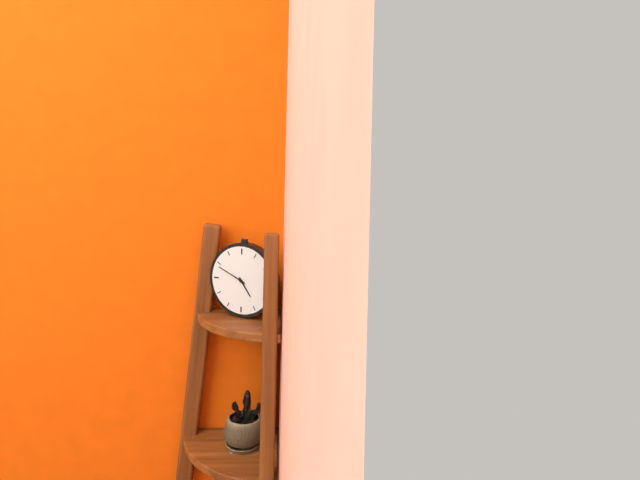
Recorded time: **4:49**
